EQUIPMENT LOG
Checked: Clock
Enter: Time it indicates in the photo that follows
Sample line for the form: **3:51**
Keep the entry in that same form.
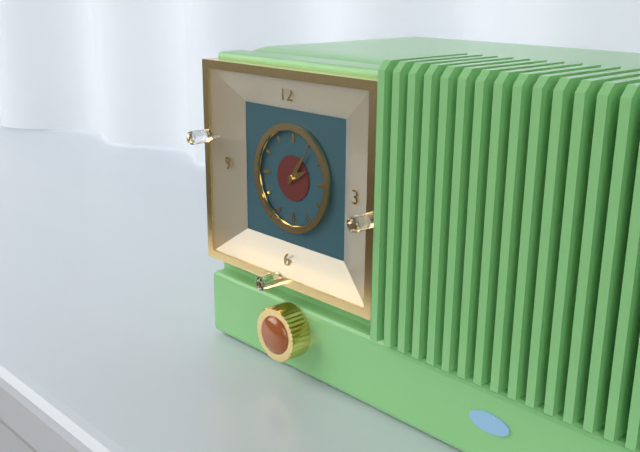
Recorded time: **2:06**
